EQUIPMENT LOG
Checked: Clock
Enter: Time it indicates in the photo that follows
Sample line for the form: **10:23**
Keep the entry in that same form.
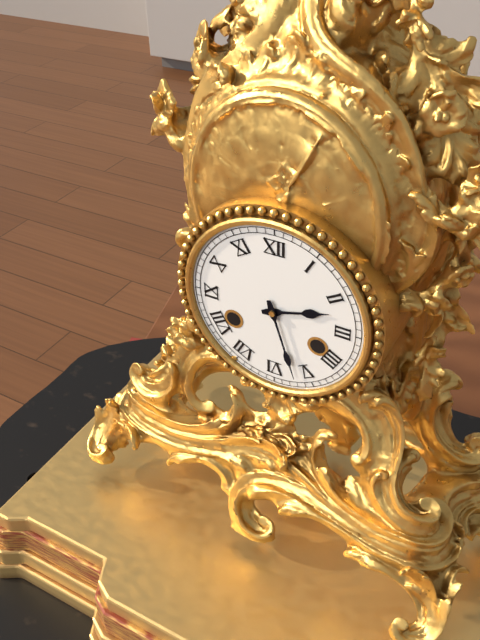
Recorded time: **2:27**
